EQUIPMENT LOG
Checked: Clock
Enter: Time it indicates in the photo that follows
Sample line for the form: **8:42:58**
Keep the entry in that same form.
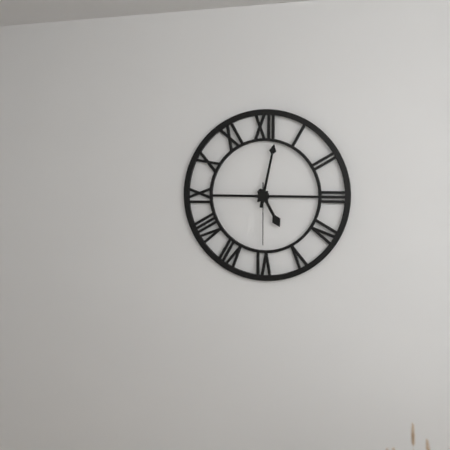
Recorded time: **5:02:30**
